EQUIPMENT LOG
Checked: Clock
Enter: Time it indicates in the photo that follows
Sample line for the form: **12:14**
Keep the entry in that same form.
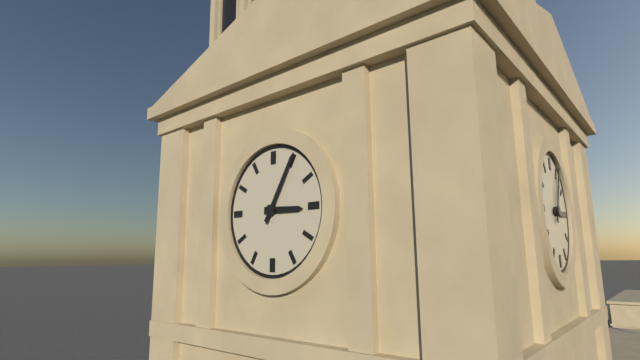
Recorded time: **3:05**
